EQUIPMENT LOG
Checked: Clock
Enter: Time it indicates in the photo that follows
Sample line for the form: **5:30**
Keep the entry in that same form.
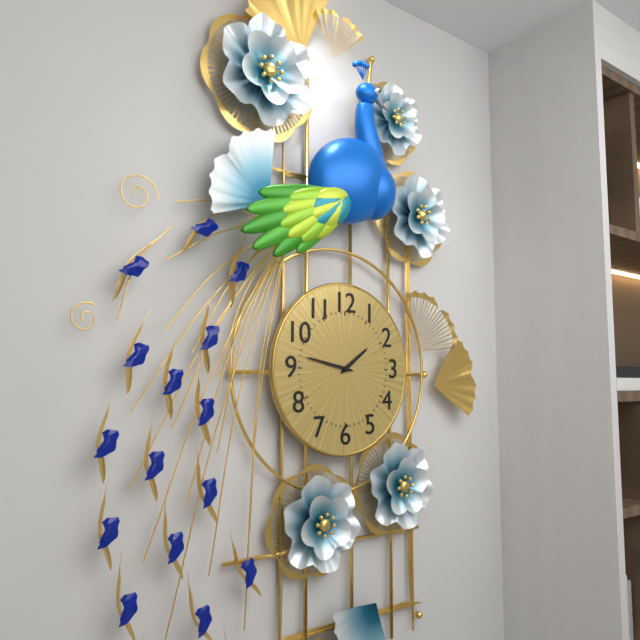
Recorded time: **1:47**
